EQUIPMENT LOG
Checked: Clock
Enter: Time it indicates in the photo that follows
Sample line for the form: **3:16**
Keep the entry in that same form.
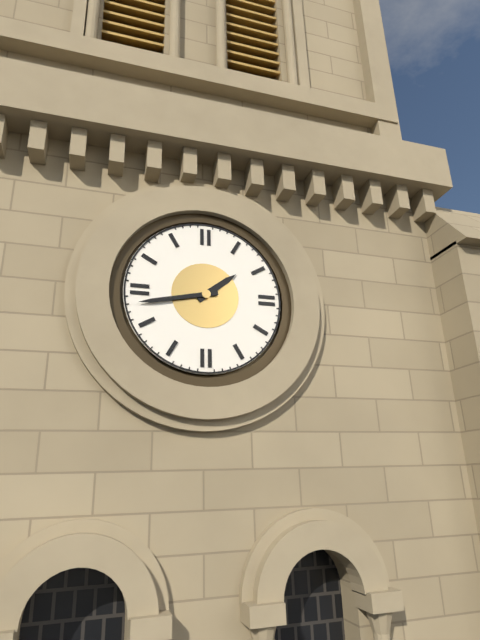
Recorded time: **1:43**
